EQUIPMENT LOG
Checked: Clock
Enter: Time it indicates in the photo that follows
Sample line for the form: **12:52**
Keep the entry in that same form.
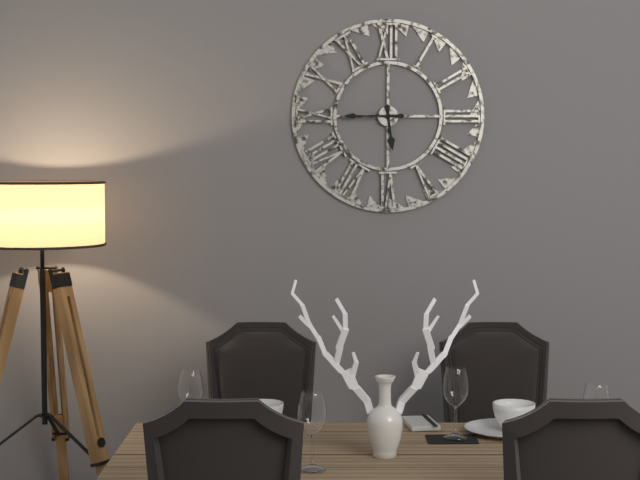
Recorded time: **5:45**
